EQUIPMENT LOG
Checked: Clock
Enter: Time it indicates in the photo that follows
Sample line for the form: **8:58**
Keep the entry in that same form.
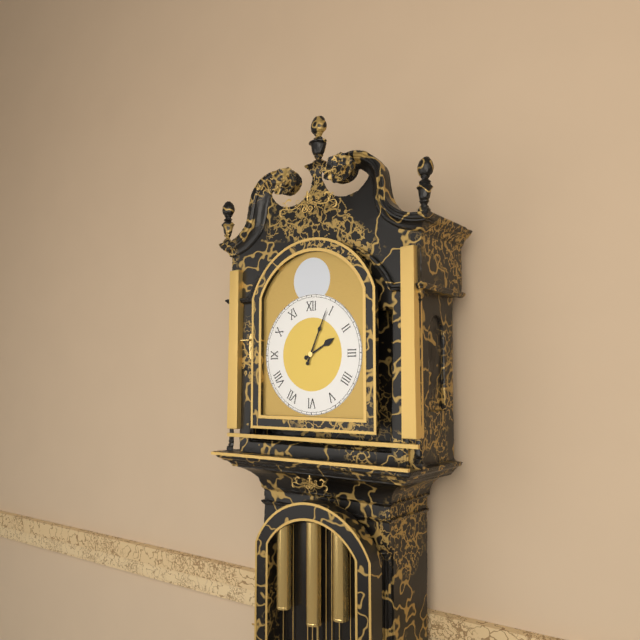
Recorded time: **2:04**
